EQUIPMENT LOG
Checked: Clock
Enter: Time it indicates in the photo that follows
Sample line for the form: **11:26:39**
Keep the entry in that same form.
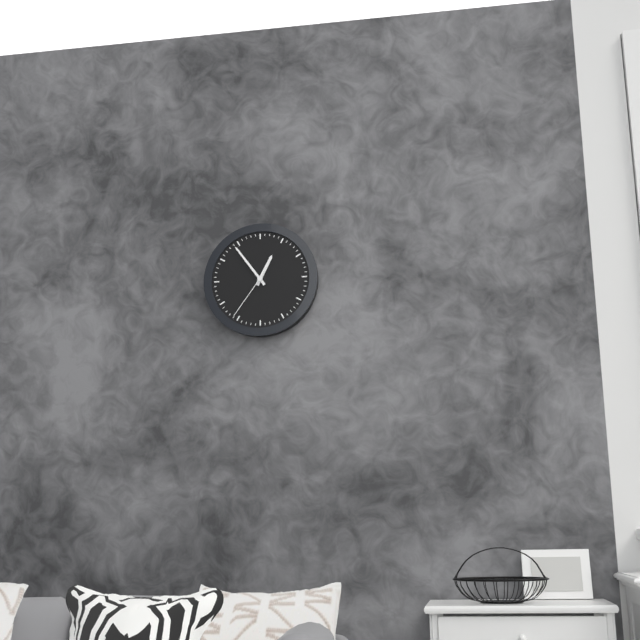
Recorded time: **12:54:36**
